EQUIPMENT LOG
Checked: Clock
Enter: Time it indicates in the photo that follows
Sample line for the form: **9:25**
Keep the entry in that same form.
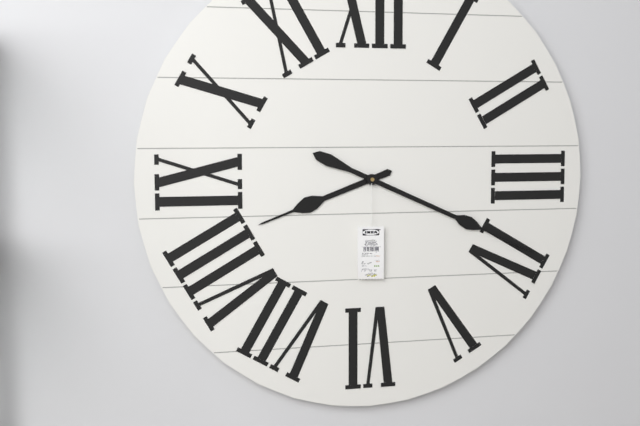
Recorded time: **8:19**
